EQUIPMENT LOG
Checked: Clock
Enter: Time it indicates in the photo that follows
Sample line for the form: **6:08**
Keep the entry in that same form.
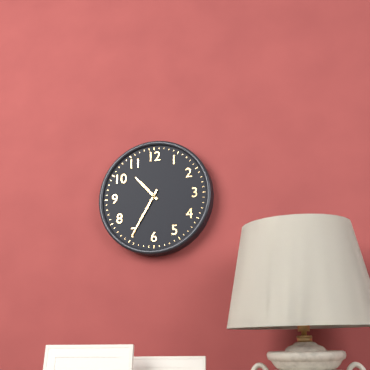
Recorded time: **10:35**
